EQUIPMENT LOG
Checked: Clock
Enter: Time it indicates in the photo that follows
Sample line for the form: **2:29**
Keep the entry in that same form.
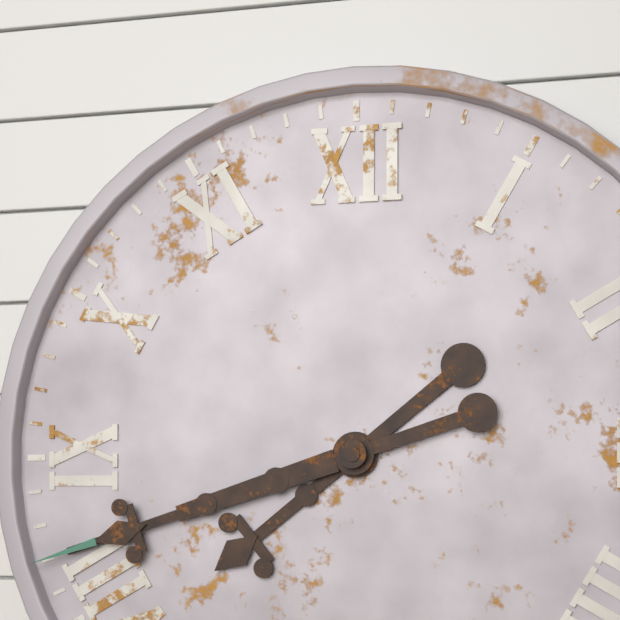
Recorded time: **7:42**
